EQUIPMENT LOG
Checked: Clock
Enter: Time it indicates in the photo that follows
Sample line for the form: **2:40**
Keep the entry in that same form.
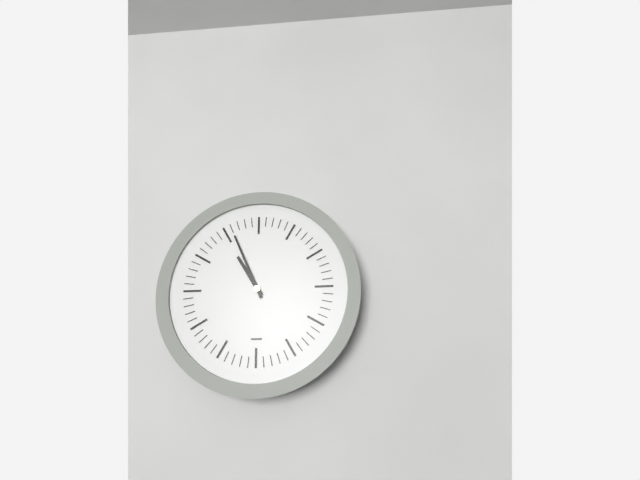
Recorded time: **10:56**
